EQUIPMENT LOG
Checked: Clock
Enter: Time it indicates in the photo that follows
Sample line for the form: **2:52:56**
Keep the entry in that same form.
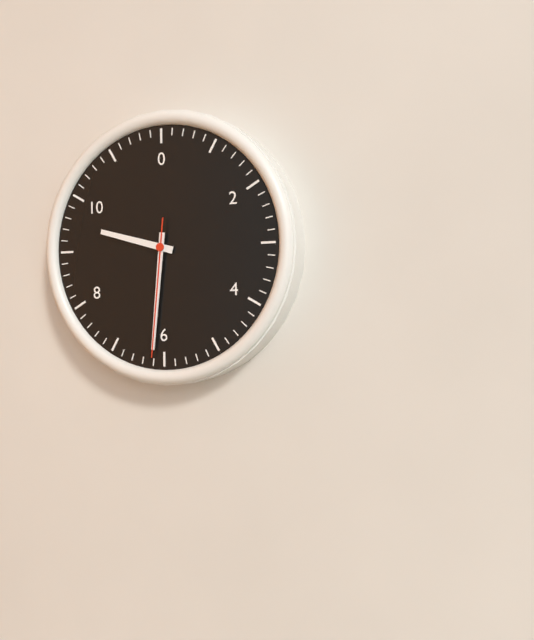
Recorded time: **9:31:31**
